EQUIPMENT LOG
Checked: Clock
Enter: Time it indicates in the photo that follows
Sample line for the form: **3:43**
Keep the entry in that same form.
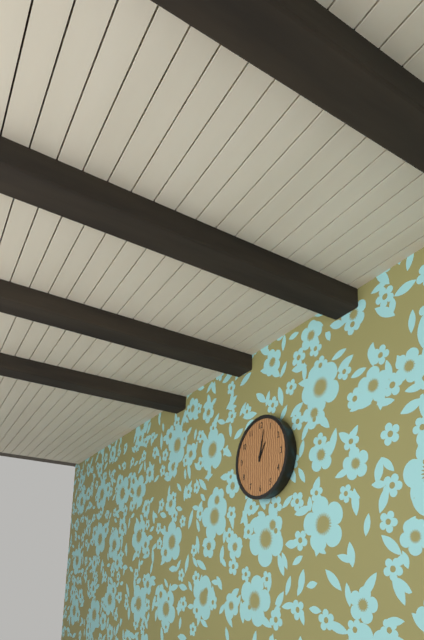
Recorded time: **1:02**
